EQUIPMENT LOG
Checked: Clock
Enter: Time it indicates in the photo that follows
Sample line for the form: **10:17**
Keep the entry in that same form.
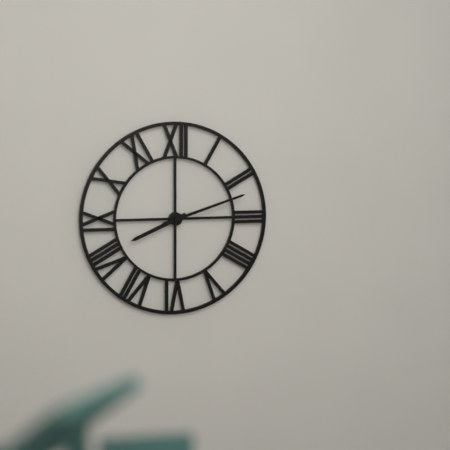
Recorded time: **8:12**
